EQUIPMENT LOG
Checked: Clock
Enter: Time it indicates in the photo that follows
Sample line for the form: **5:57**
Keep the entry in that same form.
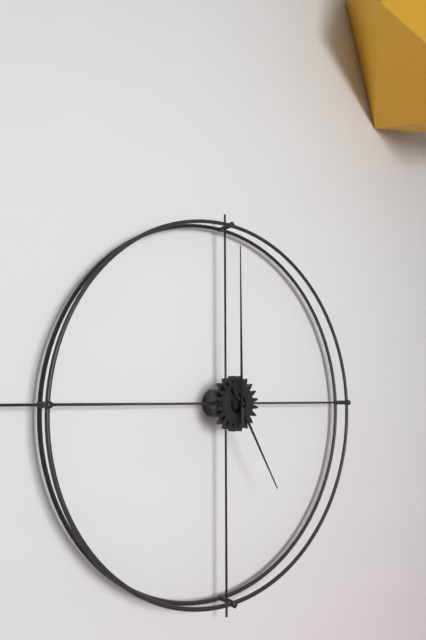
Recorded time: **5:00**
